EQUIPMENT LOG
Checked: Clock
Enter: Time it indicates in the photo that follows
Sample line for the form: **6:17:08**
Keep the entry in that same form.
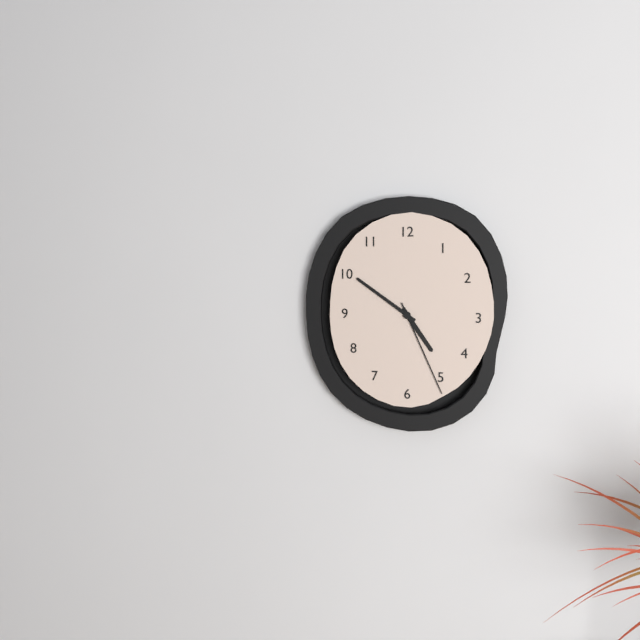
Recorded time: **4:51:26**
